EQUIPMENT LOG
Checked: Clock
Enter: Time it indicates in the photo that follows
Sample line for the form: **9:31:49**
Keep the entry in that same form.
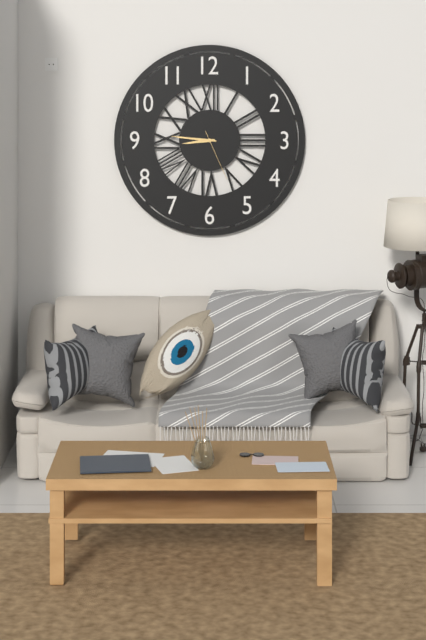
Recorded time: **8:46:26**
